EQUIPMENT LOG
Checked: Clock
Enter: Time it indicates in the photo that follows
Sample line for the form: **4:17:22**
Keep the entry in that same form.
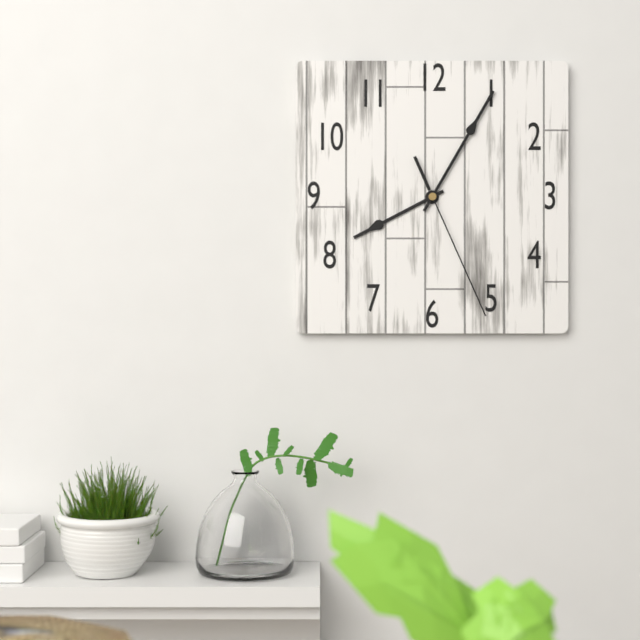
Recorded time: **8:05:26**
